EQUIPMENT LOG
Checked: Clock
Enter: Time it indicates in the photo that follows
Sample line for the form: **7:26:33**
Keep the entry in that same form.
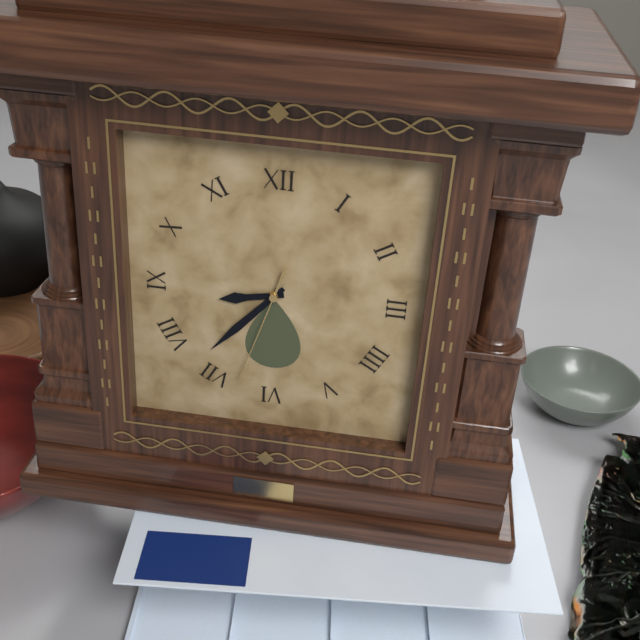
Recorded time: **8:37:33**
